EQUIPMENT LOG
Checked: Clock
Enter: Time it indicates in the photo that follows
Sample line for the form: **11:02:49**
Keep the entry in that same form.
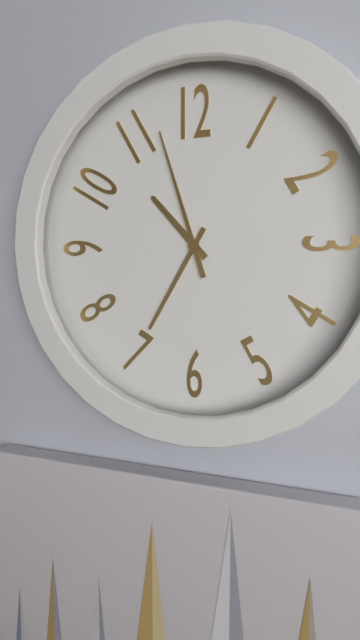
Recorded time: **10:35:57**
